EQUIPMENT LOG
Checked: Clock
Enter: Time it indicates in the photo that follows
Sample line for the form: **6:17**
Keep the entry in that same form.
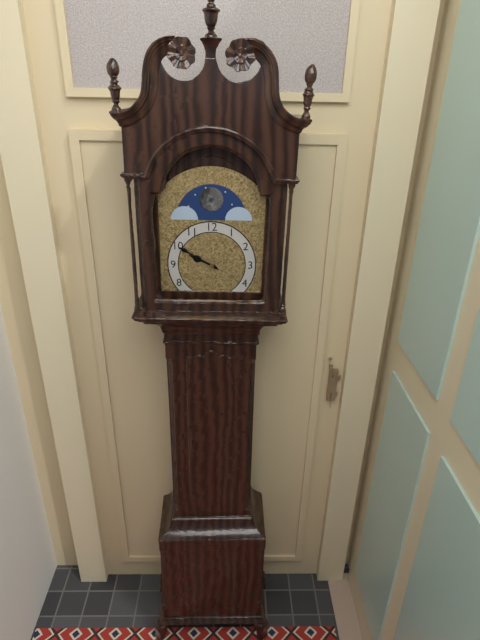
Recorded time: **9:50**
